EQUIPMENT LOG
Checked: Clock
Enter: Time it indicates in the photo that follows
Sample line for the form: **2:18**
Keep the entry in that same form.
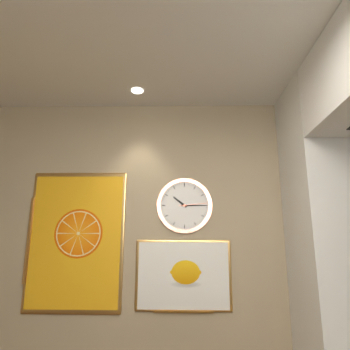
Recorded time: **10:15**
